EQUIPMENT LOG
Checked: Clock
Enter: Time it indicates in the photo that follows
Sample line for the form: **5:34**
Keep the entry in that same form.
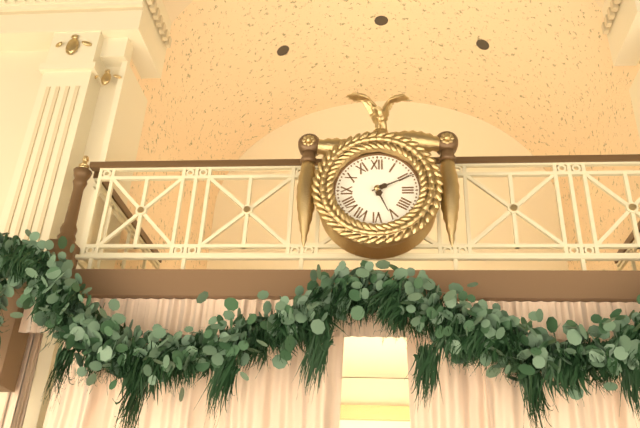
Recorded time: **5:11**
